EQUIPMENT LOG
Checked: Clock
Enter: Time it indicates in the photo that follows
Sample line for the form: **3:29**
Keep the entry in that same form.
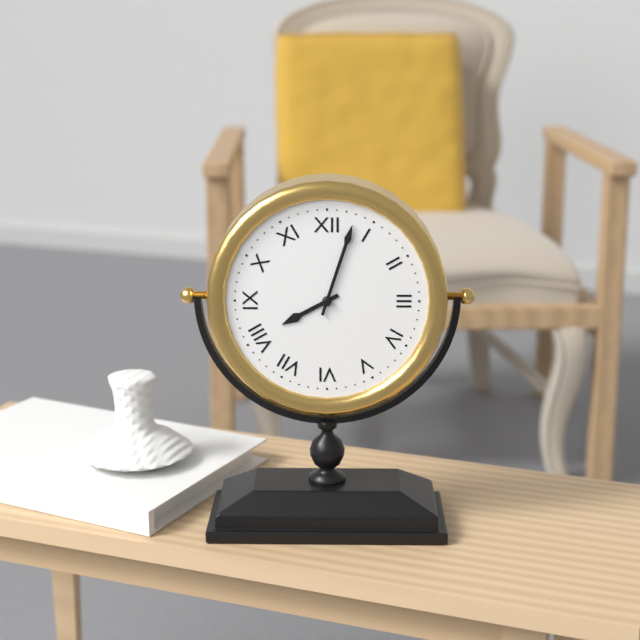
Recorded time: **8:03**
